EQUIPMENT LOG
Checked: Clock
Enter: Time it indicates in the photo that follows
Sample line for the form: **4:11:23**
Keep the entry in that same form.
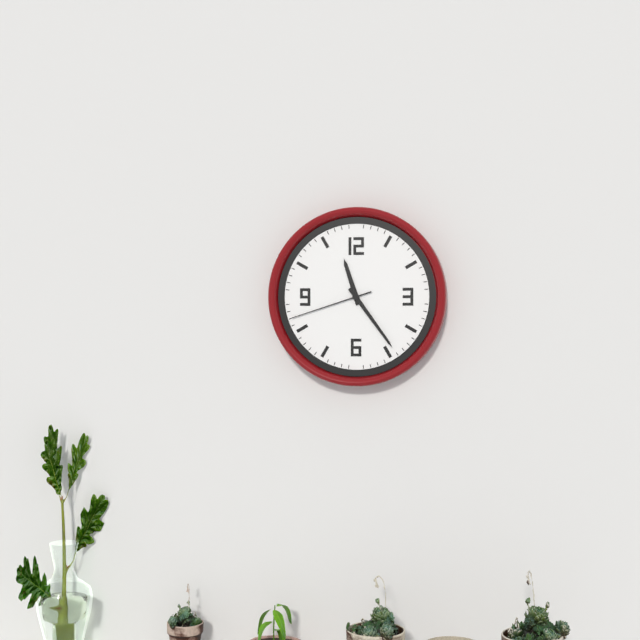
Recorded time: **11:24:42**
